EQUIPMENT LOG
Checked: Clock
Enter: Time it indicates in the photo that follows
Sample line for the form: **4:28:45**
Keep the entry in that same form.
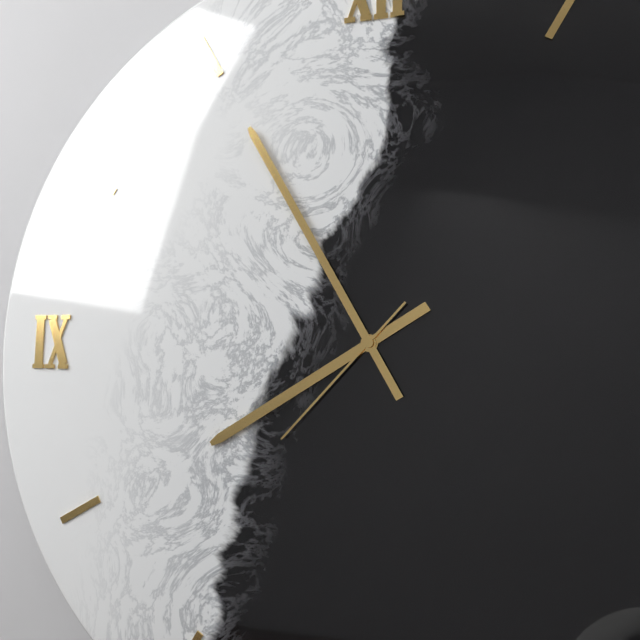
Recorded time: **7:55:37**
